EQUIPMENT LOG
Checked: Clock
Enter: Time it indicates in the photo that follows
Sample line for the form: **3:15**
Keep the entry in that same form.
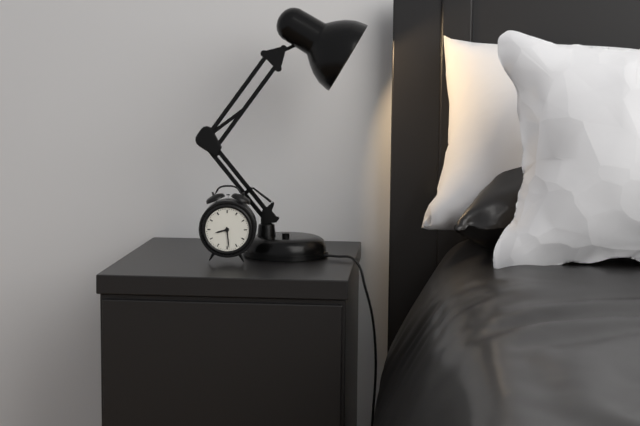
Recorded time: **8:29**
